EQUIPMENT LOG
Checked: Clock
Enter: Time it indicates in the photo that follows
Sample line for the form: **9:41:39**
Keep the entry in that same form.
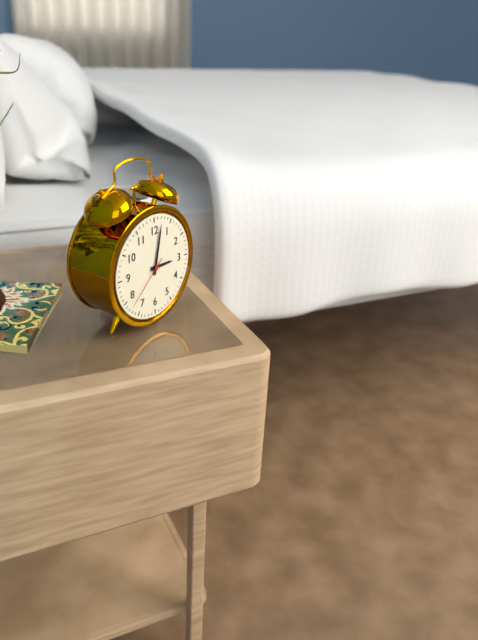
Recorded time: **3:02:38**
